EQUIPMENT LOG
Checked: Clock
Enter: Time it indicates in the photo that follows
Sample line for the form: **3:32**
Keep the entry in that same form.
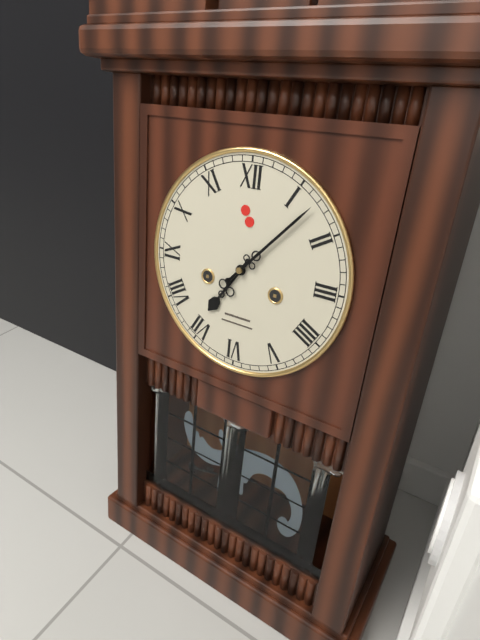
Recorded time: **7:07**
